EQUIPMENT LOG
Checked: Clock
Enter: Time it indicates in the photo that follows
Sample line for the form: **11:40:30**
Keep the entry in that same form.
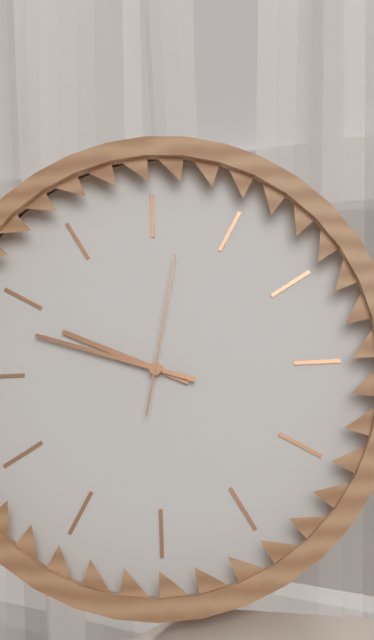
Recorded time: **9:48:02**
